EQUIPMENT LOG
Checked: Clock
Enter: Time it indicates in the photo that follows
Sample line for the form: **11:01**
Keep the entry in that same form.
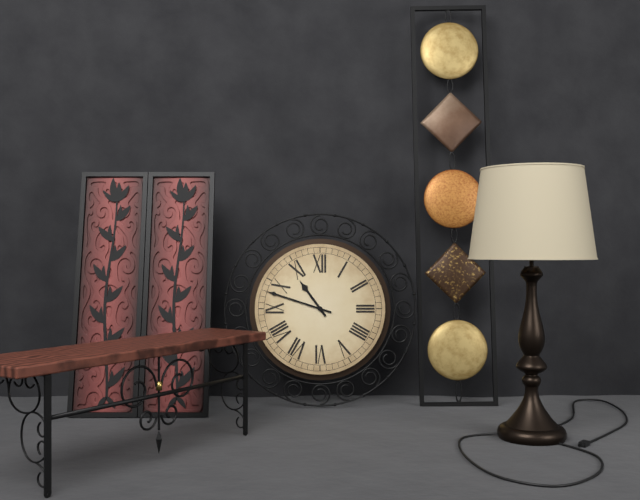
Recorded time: **10:48**
